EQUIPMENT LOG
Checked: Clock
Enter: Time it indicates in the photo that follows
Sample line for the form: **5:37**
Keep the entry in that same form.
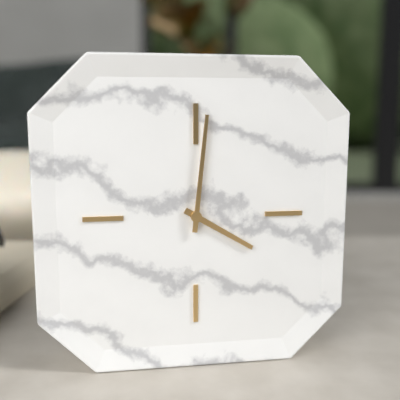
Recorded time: **4:01**
